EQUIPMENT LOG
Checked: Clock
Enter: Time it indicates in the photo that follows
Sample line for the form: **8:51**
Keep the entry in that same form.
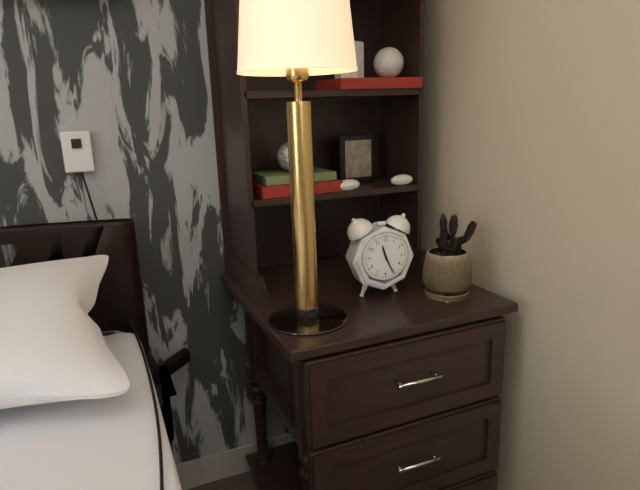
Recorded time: **11:26**
